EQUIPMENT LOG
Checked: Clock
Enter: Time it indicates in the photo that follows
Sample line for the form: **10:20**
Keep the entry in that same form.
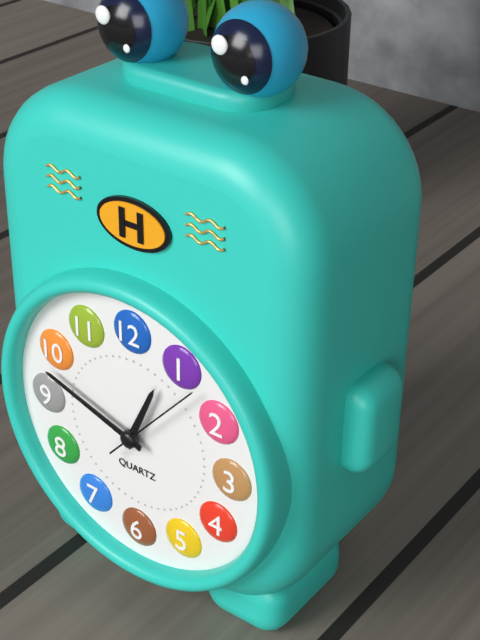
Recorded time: **12:48**
